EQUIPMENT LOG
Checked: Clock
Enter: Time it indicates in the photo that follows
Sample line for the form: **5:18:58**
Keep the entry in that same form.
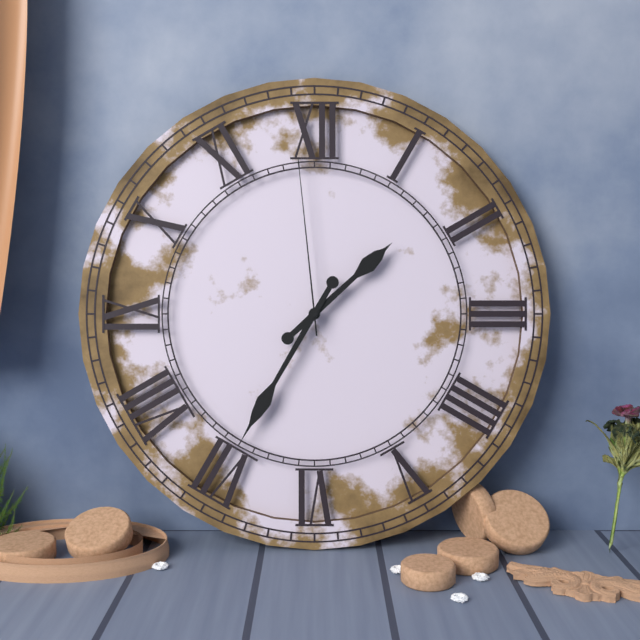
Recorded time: **1:35:59**
